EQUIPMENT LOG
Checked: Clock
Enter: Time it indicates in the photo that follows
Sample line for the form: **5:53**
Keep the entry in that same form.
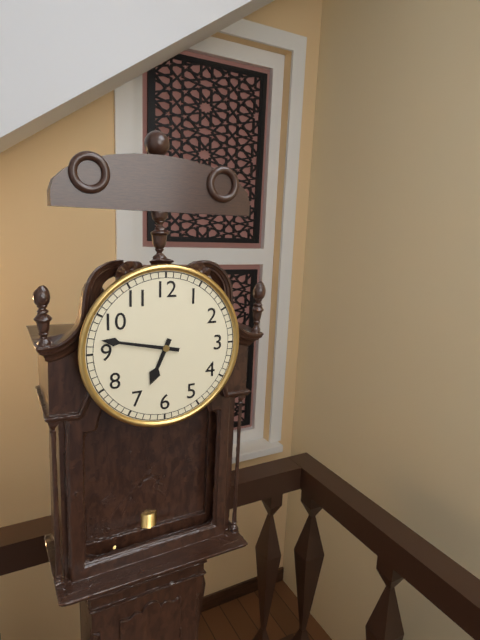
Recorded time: **6:47**
